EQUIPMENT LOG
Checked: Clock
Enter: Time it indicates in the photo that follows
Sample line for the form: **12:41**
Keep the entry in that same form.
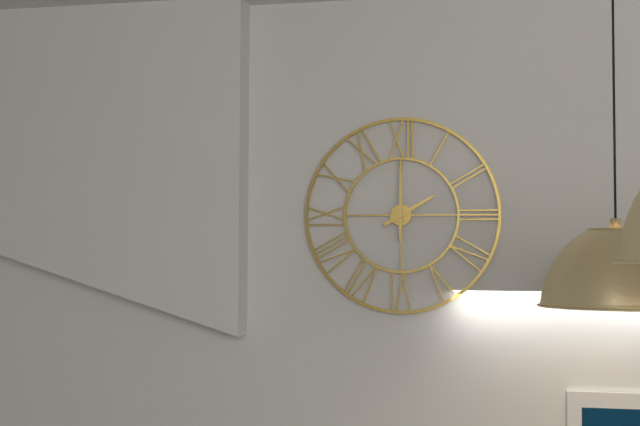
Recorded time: **2:00**
